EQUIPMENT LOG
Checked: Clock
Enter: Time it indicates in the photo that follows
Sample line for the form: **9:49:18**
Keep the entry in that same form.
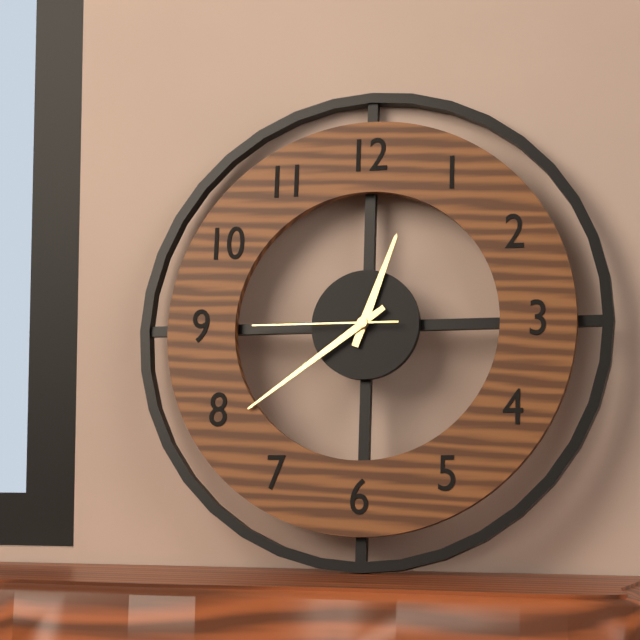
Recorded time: **12:39:45**
